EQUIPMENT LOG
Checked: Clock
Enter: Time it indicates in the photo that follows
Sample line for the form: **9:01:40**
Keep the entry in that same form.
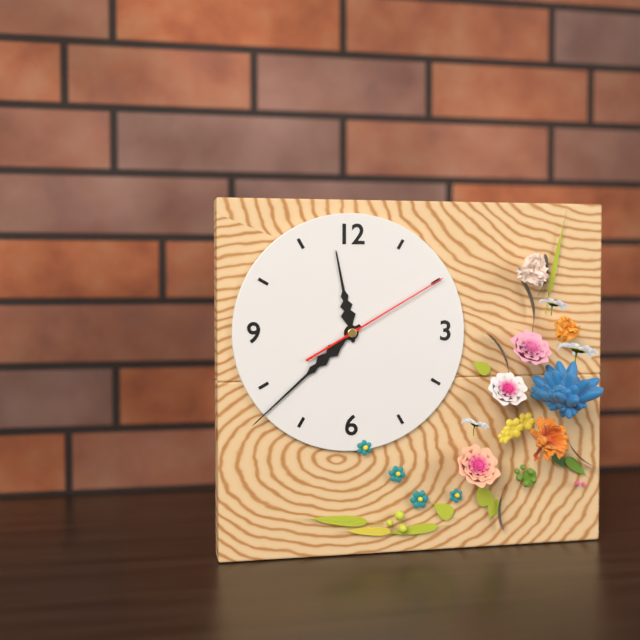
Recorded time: **11:38:10**
